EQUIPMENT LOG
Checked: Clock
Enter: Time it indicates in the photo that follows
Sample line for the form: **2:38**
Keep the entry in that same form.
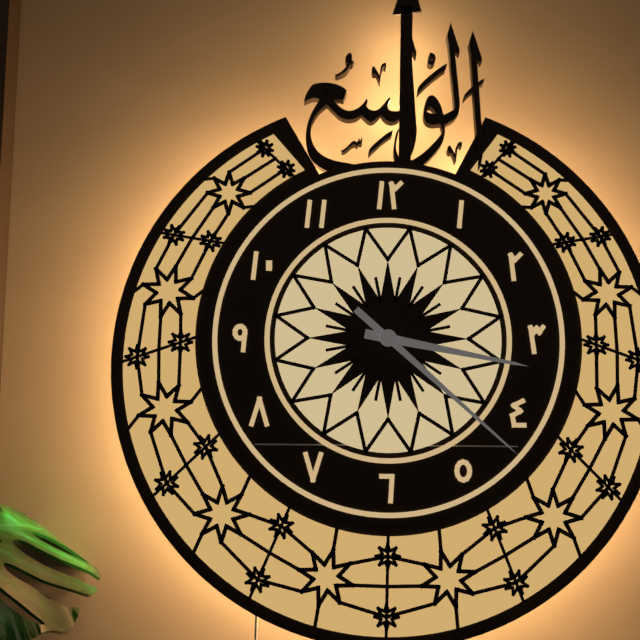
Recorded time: **3:22**
